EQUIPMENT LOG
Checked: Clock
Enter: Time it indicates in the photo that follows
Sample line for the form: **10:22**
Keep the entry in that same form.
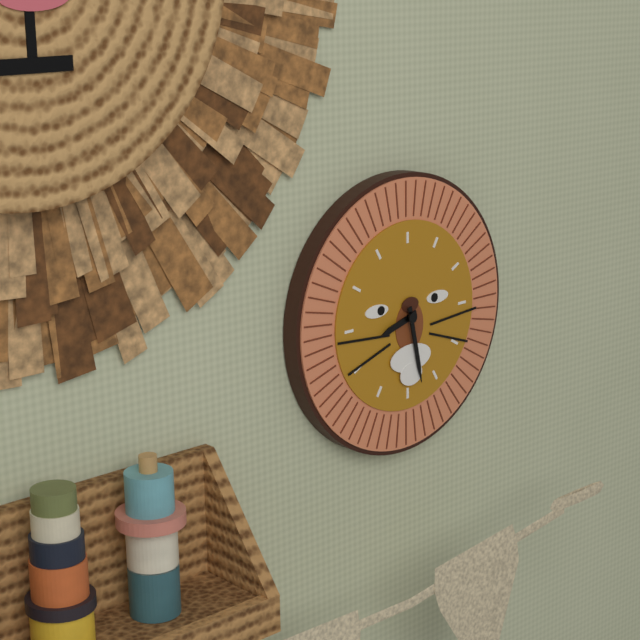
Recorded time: **8:28**
